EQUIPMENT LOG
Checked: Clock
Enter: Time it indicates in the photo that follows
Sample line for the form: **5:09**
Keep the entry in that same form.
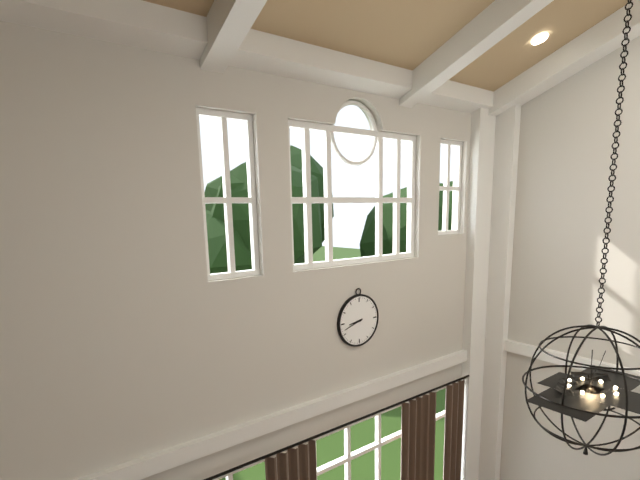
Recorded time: **8:42**
